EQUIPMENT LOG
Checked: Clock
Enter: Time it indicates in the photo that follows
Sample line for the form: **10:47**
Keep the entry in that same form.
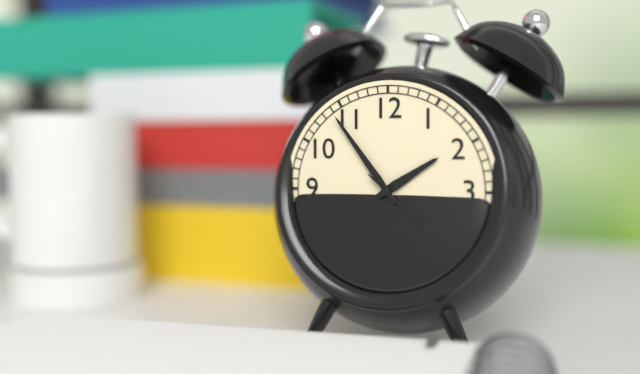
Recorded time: **1:54**
